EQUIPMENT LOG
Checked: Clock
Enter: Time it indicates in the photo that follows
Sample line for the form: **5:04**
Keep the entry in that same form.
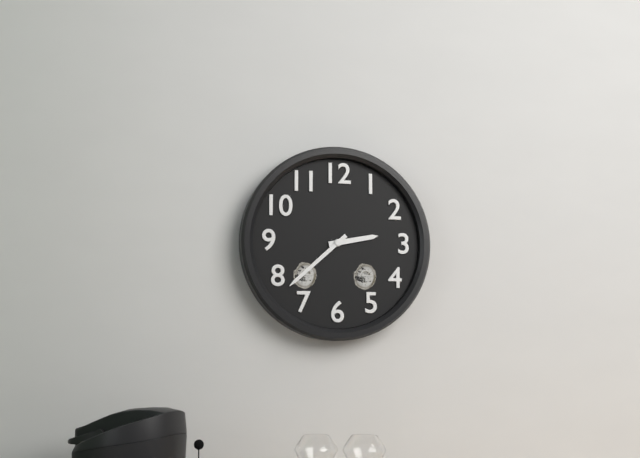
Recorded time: **2:38**
